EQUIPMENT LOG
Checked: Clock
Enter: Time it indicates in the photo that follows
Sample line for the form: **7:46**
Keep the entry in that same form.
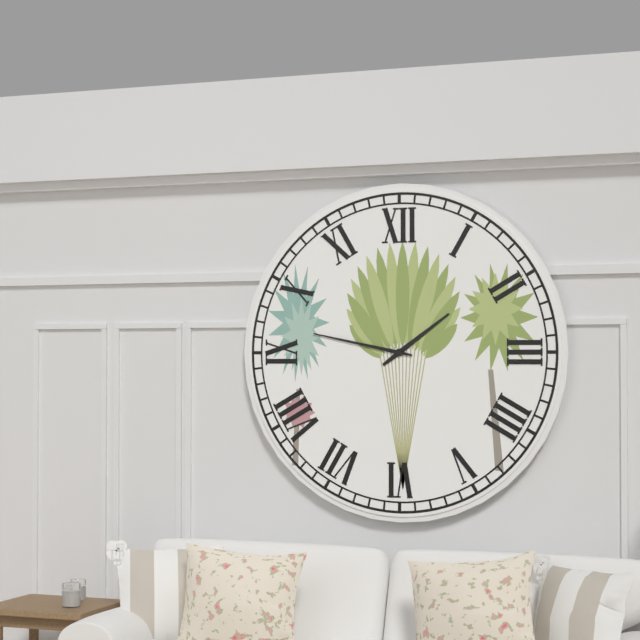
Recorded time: **1:47**
